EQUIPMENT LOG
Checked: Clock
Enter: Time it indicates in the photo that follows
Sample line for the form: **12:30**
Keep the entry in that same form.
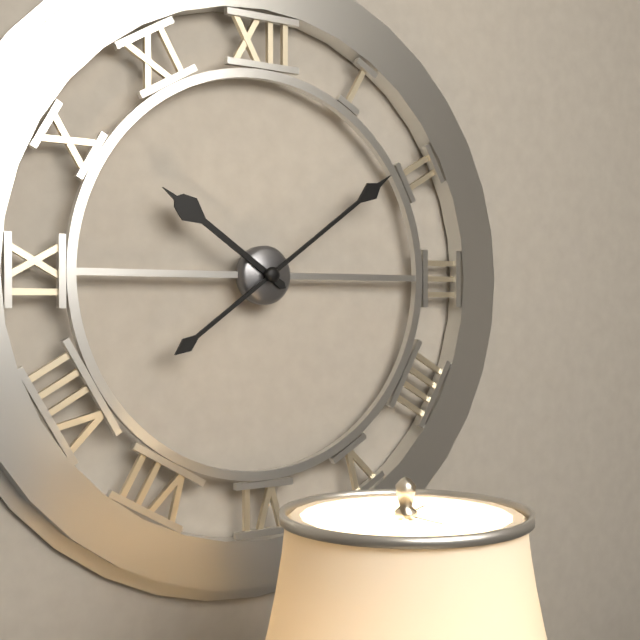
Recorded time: **10:09**
